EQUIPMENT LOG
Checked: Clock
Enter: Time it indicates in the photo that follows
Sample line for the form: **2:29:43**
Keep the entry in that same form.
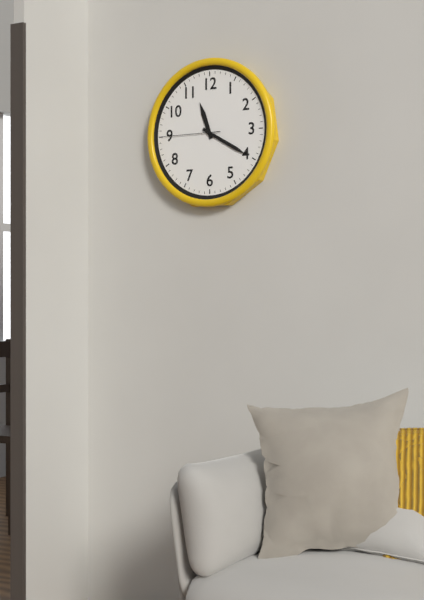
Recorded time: **11:20:45**
